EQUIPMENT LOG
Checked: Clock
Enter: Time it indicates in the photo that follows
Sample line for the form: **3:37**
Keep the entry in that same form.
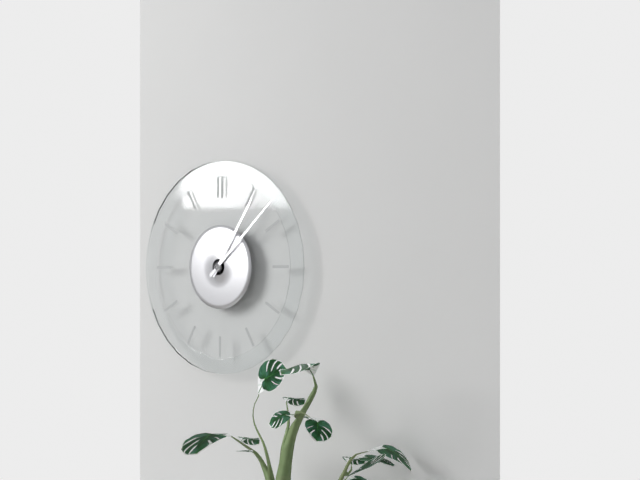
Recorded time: **1:08**
